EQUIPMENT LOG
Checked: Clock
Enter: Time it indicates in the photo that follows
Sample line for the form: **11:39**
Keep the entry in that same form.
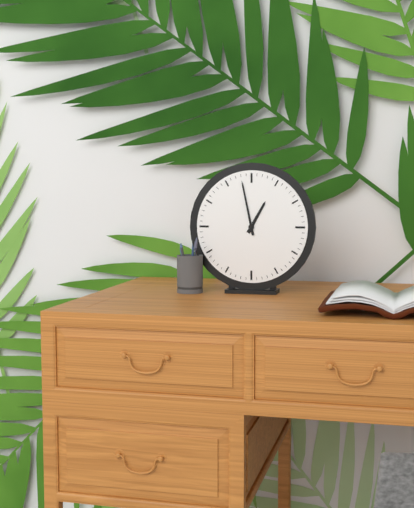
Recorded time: **12:58**
